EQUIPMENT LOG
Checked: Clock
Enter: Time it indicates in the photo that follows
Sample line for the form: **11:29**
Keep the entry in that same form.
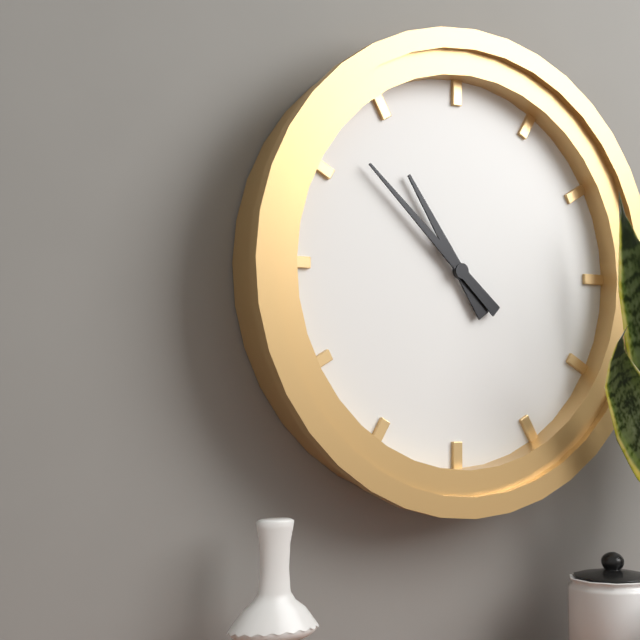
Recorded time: **10:52**
